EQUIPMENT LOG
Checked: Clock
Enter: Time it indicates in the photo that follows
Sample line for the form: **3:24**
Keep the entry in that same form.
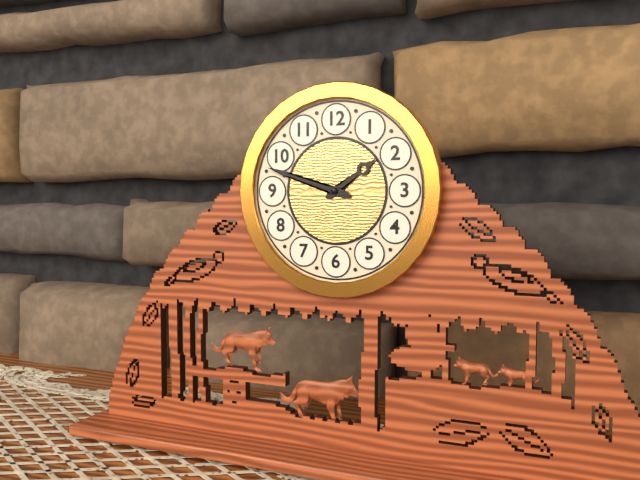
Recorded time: **1:48**
